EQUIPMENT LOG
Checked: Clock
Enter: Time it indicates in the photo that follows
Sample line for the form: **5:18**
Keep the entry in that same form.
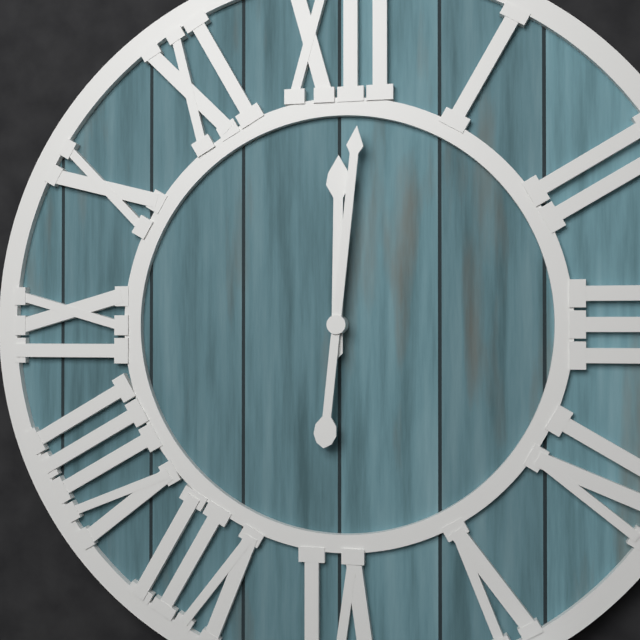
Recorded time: **12:01**
